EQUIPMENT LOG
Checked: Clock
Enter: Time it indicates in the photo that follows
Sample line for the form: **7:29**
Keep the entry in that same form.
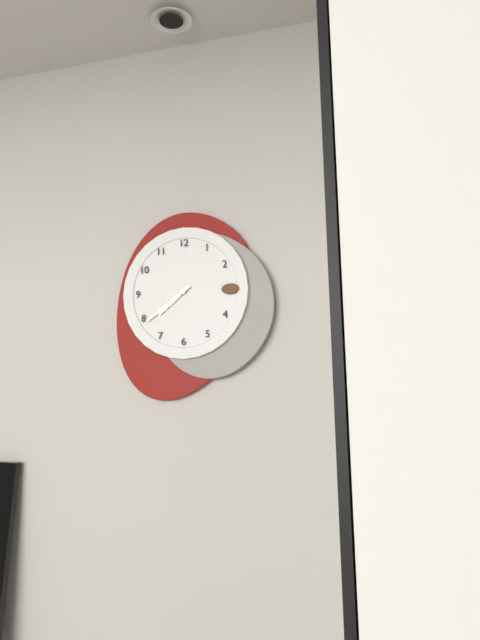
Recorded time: **7:39**
